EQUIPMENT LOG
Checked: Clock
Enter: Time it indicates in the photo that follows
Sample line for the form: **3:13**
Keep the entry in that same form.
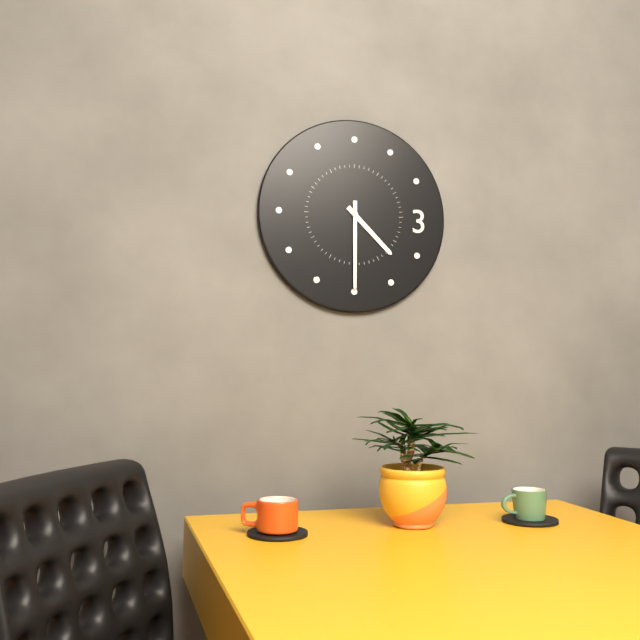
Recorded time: **4:30**
